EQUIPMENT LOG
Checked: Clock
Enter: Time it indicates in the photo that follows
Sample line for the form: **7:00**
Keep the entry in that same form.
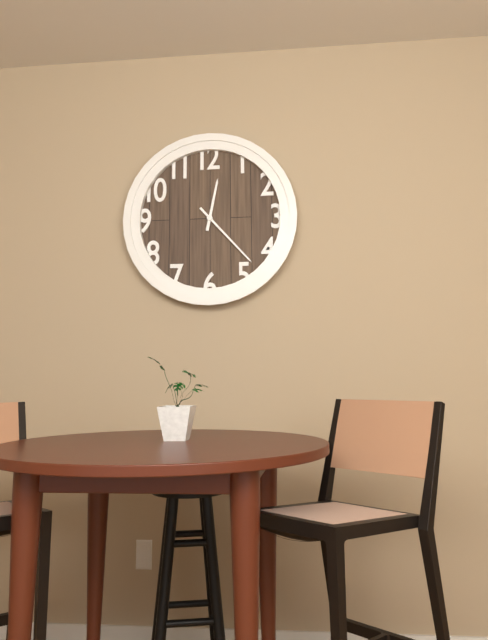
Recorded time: **12:23**
